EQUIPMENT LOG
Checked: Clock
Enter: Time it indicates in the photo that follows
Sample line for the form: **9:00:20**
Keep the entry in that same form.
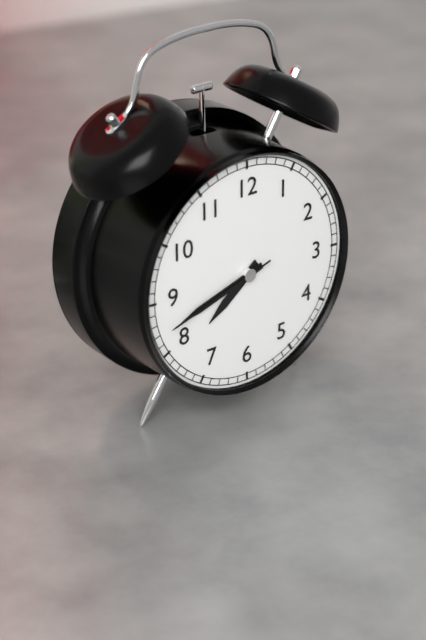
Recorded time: **7:42:42**
